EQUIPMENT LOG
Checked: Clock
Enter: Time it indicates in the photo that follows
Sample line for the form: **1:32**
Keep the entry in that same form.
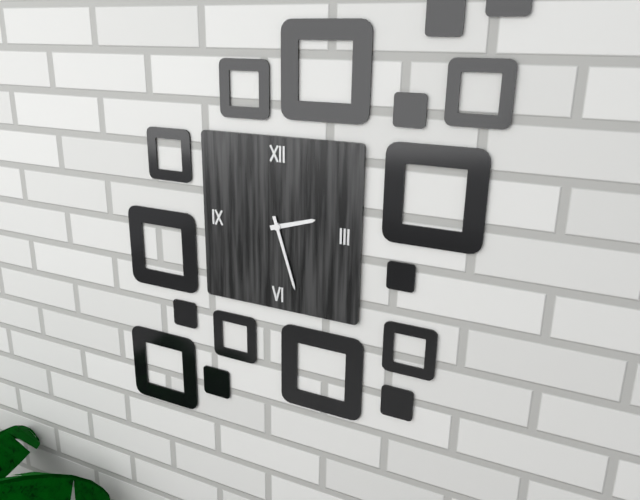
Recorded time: **2:27**
